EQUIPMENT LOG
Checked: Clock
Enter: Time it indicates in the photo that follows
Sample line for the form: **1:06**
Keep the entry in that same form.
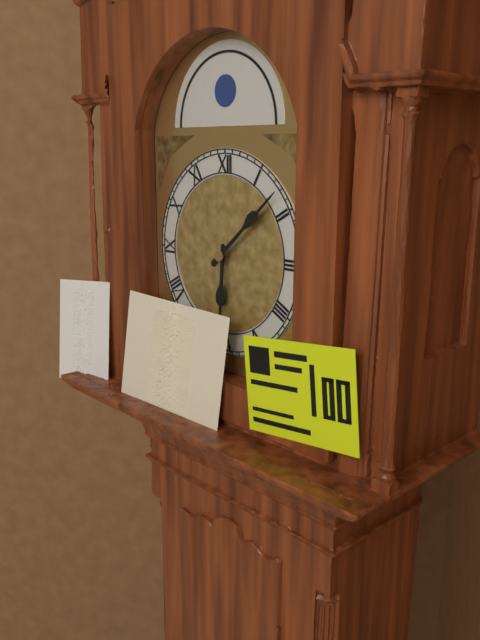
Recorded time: **6:08**
